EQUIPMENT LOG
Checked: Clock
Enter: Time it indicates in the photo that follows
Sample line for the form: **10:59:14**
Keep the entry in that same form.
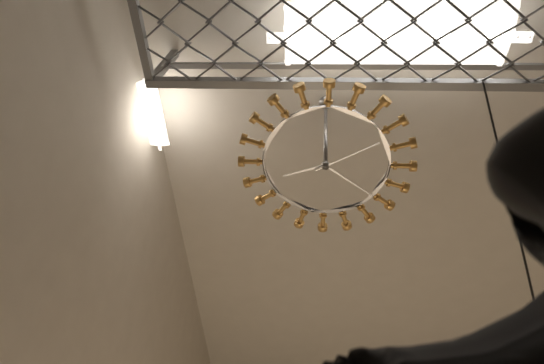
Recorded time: **8:21:10**
